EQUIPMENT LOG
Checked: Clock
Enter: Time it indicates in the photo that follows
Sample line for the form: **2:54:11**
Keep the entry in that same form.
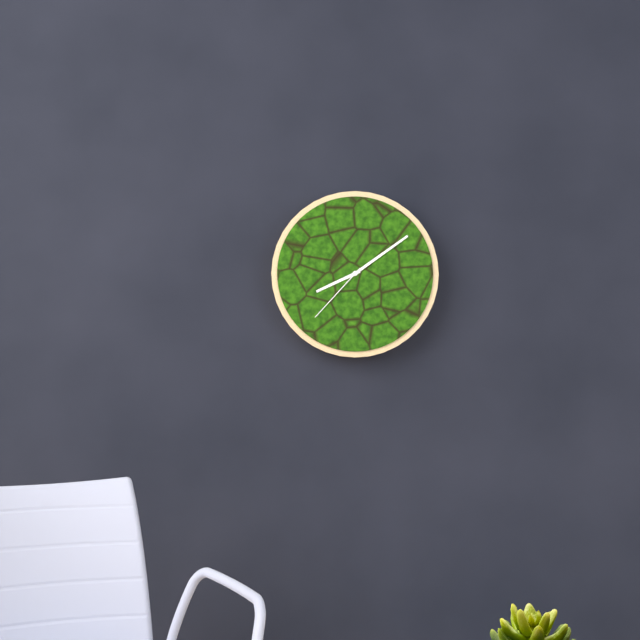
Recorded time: **8:09:37**
